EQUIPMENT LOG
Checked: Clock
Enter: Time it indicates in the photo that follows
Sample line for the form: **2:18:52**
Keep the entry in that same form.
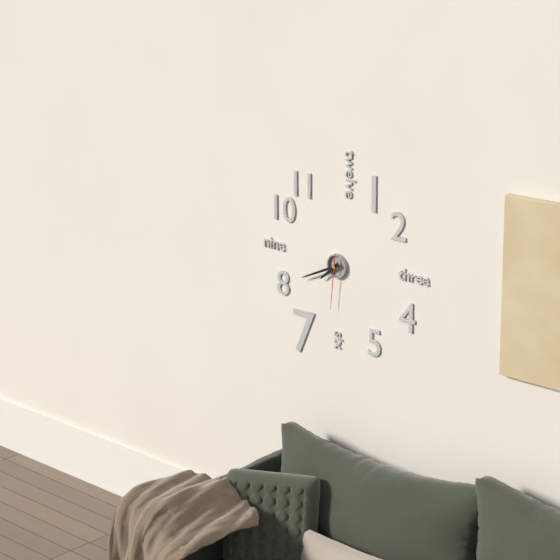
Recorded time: **7:41:31**
